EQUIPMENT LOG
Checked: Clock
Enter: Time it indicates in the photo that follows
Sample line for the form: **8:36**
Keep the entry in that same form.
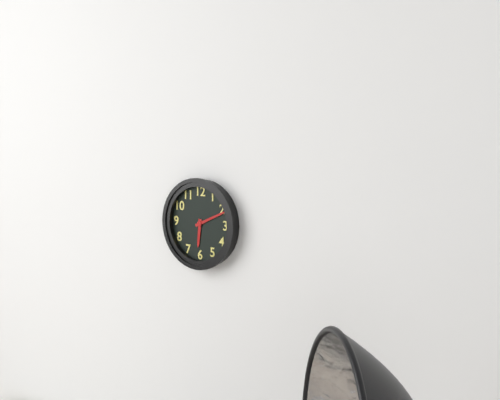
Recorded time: **6:11**
